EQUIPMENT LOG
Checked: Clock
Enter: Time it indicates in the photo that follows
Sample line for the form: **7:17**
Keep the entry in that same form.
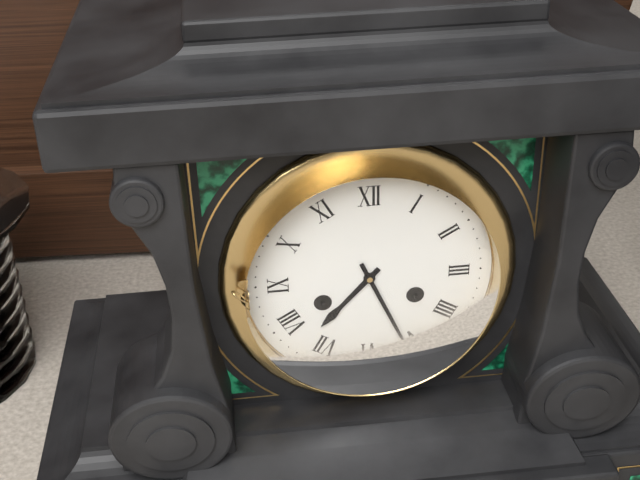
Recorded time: **7:26**
